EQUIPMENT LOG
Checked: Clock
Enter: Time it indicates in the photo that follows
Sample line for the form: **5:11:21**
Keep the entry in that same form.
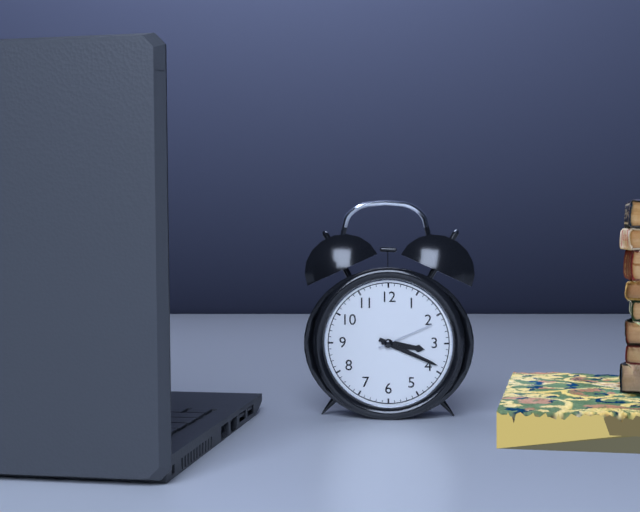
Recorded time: **3:19:11**
